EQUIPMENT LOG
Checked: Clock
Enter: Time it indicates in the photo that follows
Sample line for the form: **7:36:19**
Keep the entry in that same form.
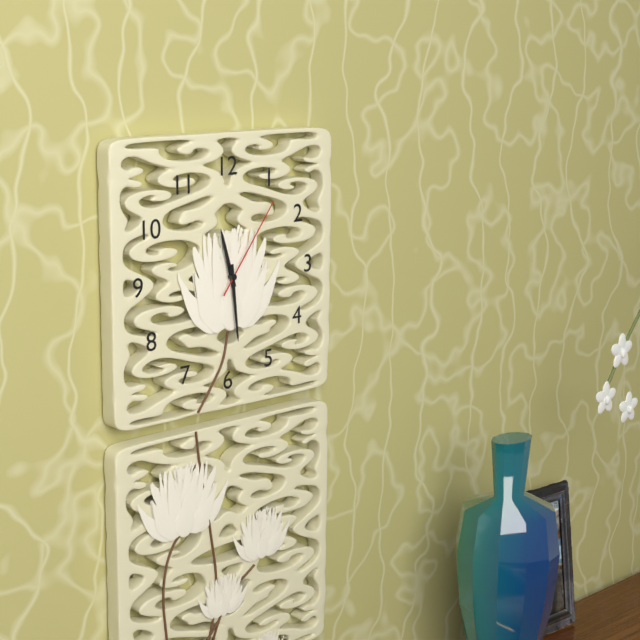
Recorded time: **11:29:06**
